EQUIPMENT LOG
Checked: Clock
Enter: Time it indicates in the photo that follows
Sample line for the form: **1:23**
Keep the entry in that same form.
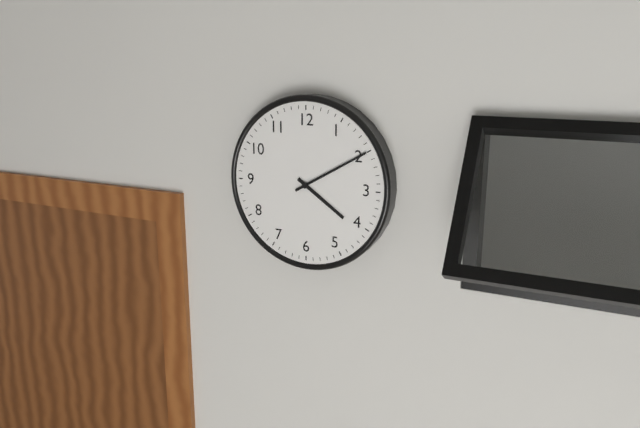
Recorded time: **4:10**
